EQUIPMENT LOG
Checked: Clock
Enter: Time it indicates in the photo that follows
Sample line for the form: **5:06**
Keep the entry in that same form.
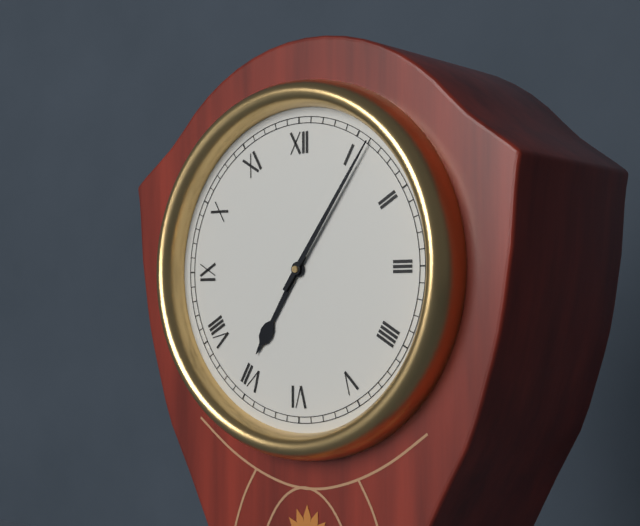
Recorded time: **7:06**
